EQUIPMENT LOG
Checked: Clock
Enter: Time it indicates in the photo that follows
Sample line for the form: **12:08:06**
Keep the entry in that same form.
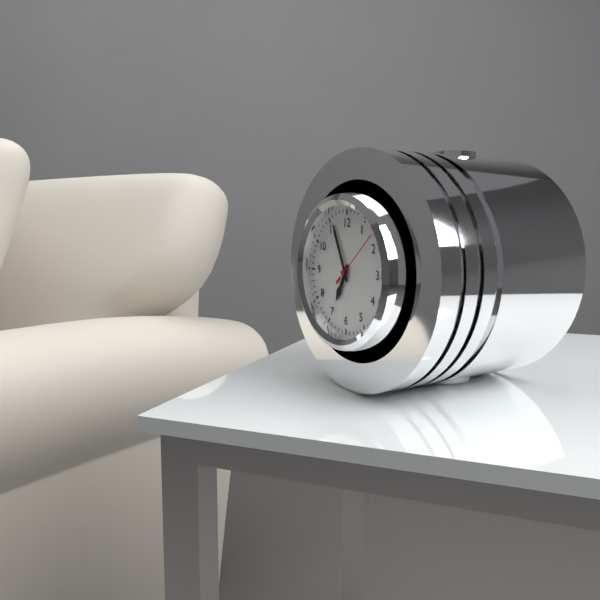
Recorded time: **6:56:08**
